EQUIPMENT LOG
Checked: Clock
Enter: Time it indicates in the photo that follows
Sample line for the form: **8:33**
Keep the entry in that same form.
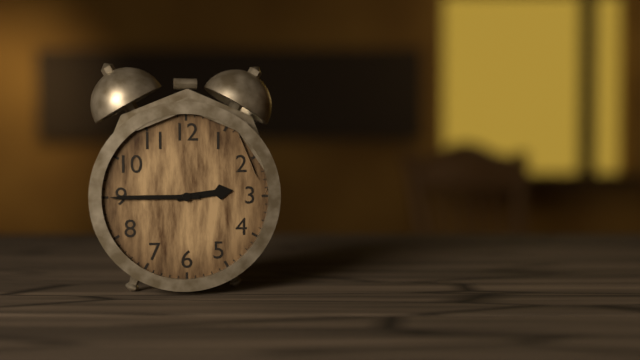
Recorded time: **2:45**
